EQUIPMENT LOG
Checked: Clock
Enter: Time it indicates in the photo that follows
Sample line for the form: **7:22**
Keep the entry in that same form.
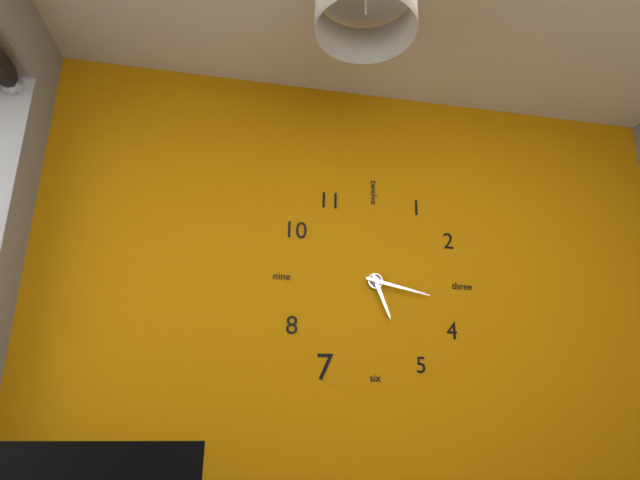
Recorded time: **5:17**
